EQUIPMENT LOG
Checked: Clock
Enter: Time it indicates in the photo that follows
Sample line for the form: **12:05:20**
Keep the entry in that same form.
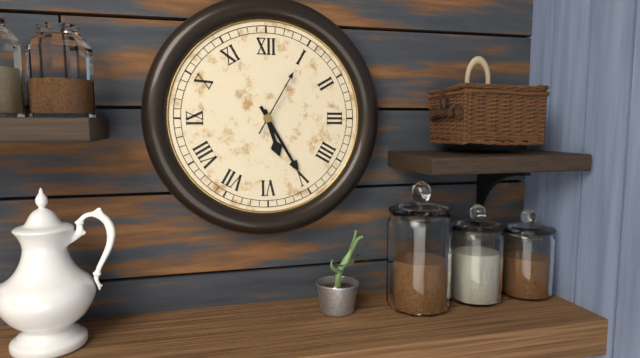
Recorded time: **5:25:05**
